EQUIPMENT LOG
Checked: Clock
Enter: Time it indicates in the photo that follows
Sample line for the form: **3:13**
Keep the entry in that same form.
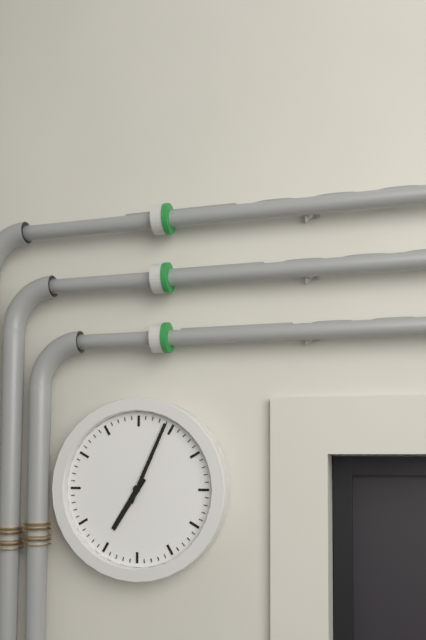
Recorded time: **7:04**
